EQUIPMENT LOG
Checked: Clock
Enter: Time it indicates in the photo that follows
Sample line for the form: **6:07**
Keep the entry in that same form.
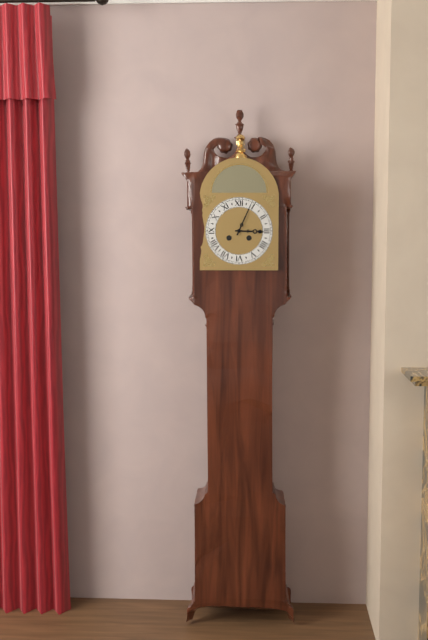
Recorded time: **3:04**
